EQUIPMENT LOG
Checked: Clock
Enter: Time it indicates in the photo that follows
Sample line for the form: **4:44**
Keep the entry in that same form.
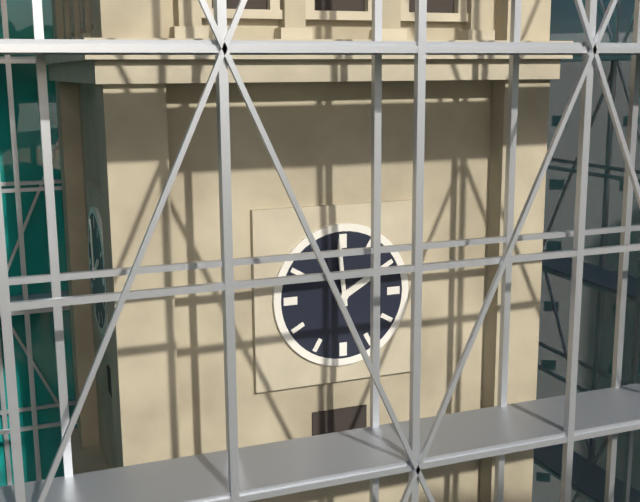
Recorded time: **1:59**
